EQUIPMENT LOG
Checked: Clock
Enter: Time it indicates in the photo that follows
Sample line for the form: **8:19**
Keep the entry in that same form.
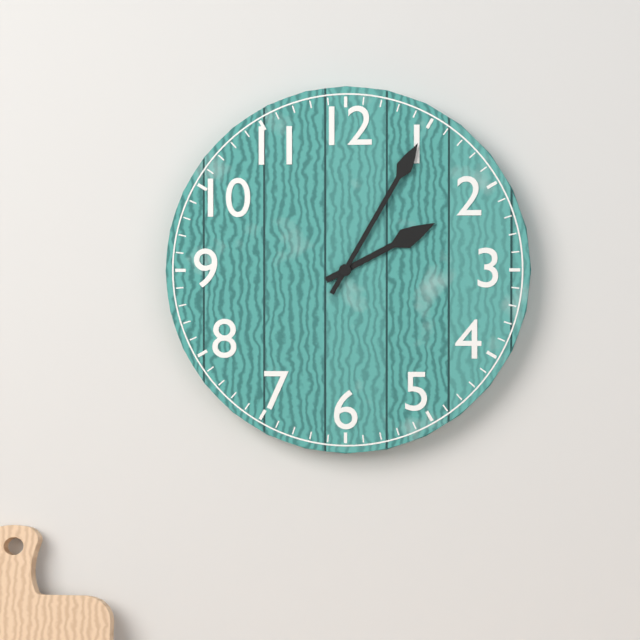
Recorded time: **2:05**
